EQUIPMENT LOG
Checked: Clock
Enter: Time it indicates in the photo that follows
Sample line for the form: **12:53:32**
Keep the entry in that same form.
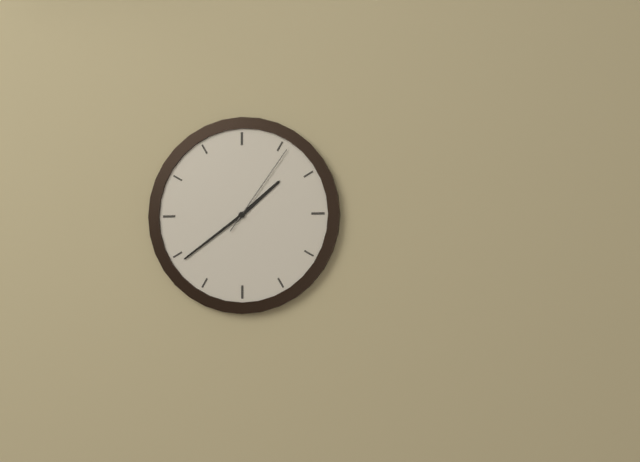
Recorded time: **1:39:06**
